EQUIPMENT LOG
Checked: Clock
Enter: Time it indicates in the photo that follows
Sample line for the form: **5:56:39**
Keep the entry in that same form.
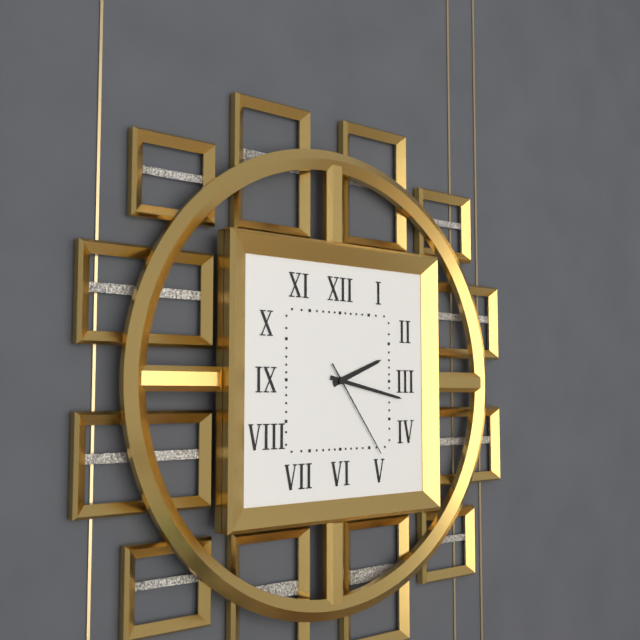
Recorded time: **2:17:24**
